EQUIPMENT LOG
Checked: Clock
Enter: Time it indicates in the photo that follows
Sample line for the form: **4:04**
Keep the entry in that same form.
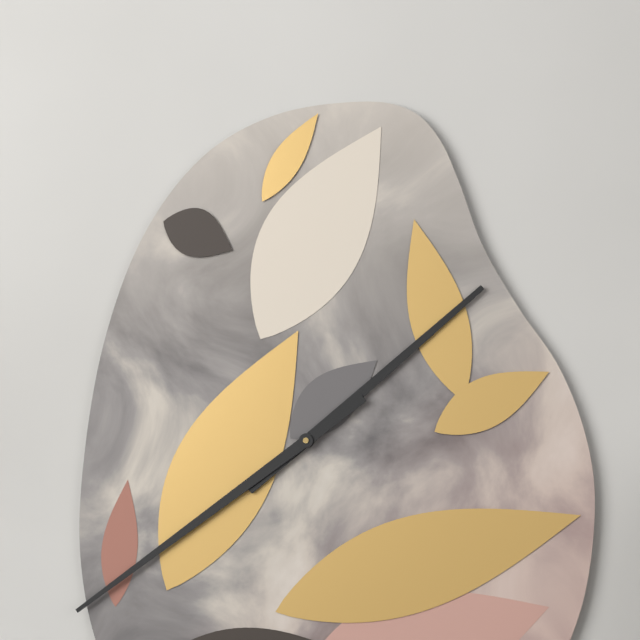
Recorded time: **1:39**
